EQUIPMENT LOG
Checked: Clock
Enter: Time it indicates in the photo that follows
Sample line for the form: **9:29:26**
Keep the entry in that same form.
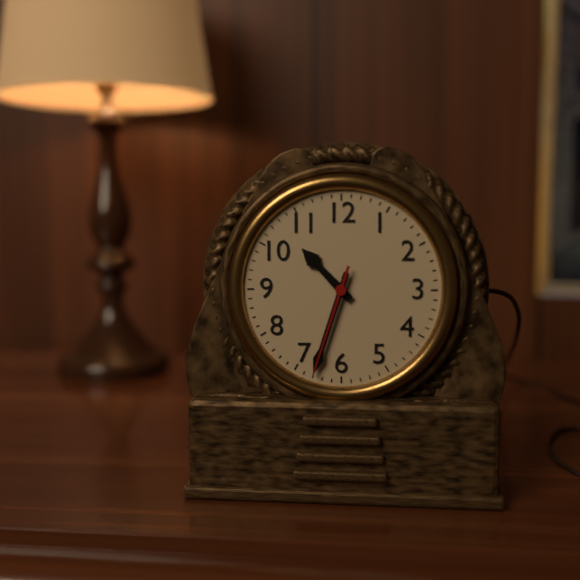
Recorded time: **10:33:33**
